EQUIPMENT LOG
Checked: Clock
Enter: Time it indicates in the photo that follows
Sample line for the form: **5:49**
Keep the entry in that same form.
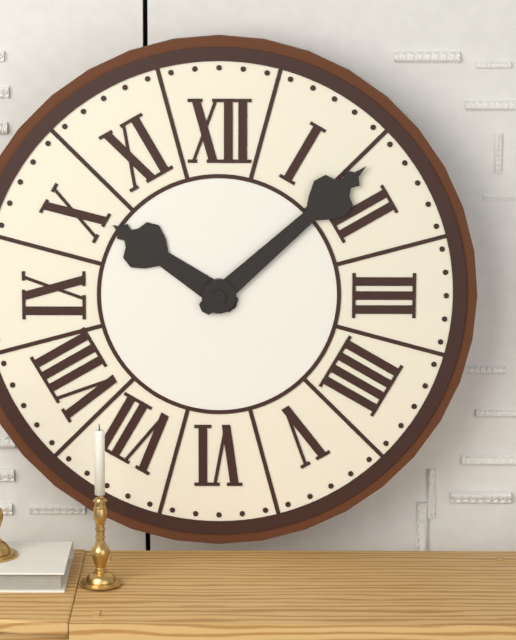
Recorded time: **10:08**
